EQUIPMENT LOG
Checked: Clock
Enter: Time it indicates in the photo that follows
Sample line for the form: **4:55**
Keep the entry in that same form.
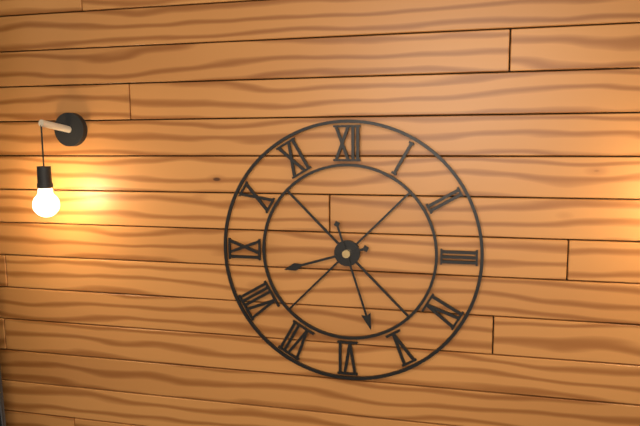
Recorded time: **8:27**
